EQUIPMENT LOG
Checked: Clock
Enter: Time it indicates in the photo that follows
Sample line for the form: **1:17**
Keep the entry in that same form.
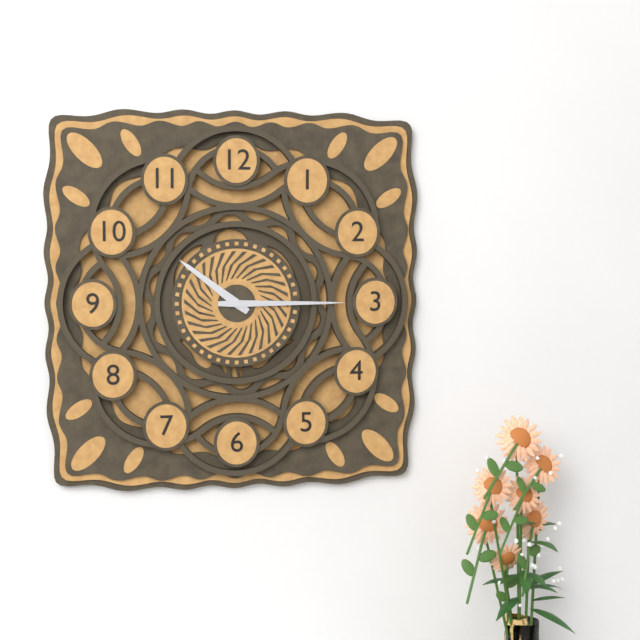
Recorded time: **10:15**
